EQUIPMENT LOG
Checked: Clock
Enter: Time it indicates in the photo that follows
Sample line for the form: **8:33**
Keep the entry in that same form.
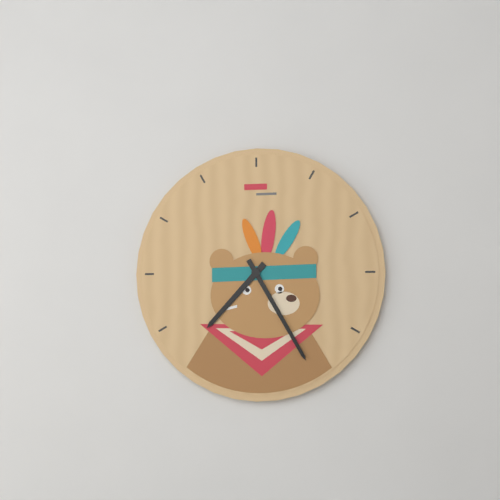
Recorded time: **7:25**
